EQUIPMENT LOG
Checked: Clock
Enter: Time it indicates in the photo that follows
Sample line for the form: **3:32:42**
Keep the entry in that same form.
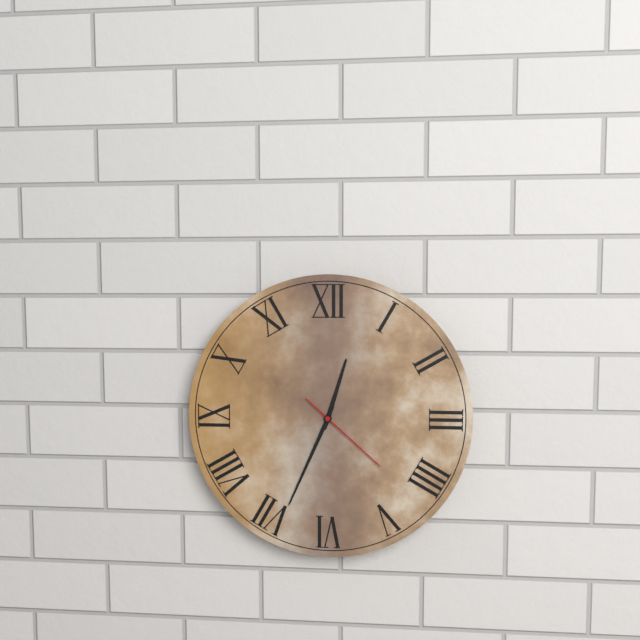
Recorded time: **12:34:22**
